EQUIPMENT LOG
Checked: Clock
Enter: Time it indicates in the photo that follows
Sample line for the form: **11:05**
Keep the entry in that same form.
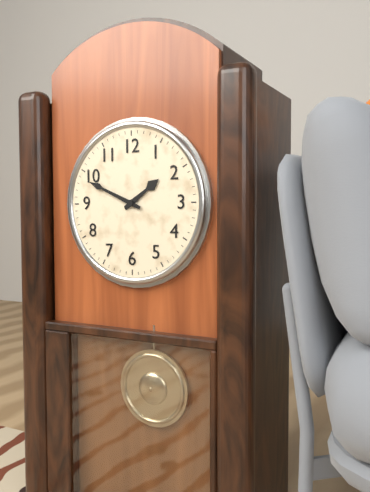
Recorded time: **1:49**
